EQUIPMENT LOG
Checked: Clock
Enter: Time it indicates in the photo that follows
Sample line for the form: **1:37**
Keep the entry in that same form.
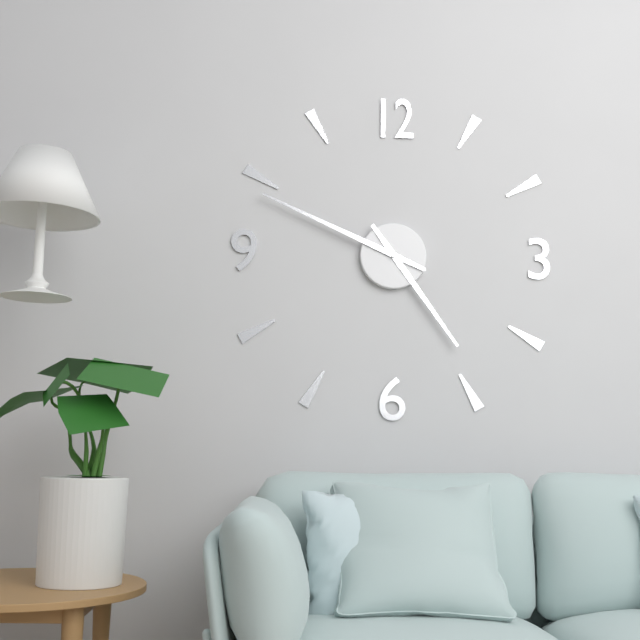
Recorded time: **4:49**
